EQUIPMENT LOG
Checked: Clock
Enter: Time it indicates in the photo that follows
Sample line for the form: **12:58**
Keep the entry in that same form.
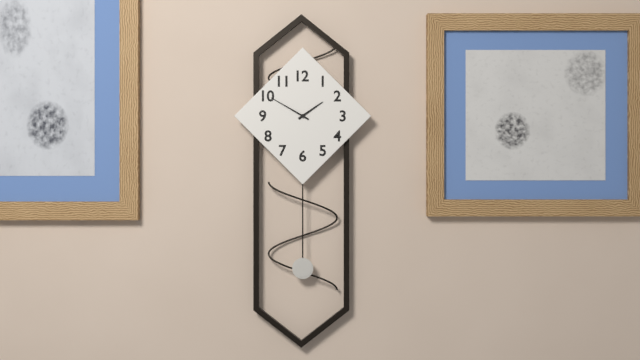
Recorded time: **1:50**
